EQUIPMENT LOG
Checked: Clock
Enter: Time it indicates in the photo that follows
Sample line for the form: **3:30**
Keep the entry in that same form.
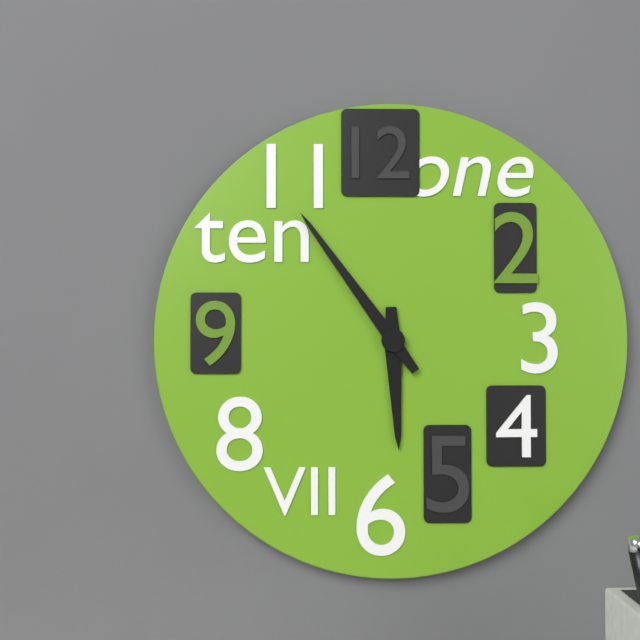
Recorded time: **5:54**
